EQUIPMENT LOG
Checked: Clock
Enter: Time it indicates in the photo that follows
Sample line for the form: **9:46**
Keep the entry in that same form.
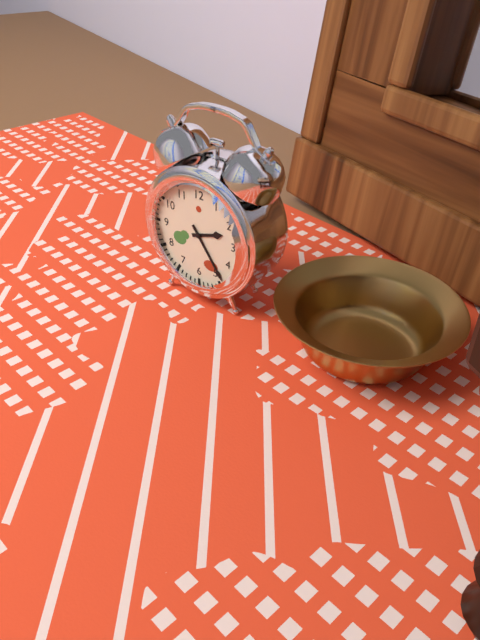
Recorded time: **2:24**
